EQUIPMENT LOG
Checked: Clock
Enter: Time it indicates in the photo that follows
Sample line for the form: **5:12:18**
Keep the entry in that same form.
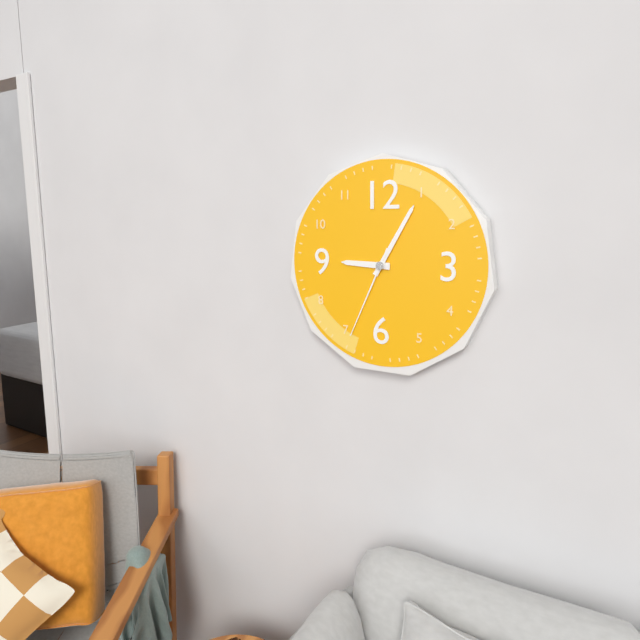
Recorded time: **9:05:34**
